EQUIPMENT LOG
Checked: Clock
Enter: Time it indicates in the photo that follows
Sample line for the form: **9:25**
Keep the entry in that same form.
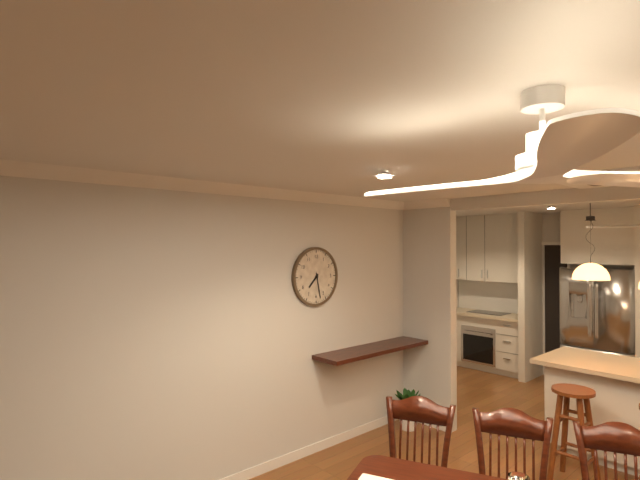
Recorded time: **7:28**
